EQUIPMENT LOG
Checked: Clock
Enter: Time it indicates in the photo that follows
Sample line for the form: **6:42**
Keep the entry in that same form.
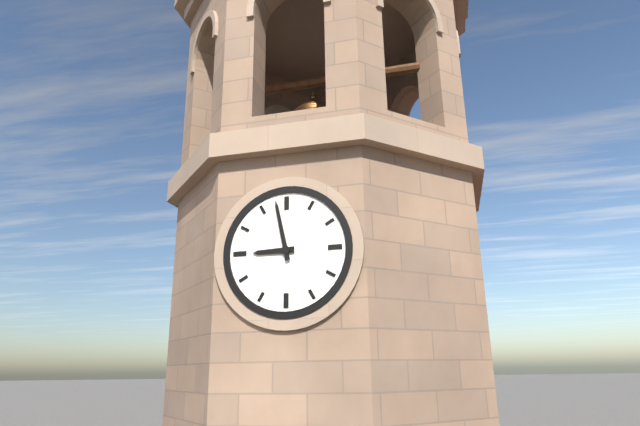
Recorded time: **8:58**
